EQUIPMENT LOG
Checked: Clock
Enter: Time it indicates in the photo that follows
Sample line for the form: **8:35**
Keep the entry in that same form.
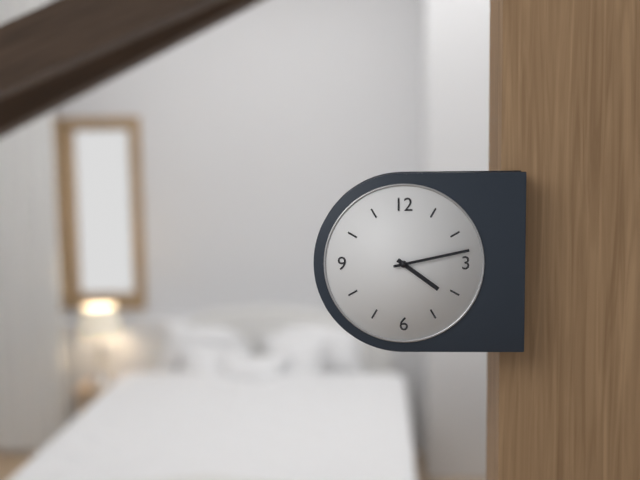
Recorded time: **4:13**
